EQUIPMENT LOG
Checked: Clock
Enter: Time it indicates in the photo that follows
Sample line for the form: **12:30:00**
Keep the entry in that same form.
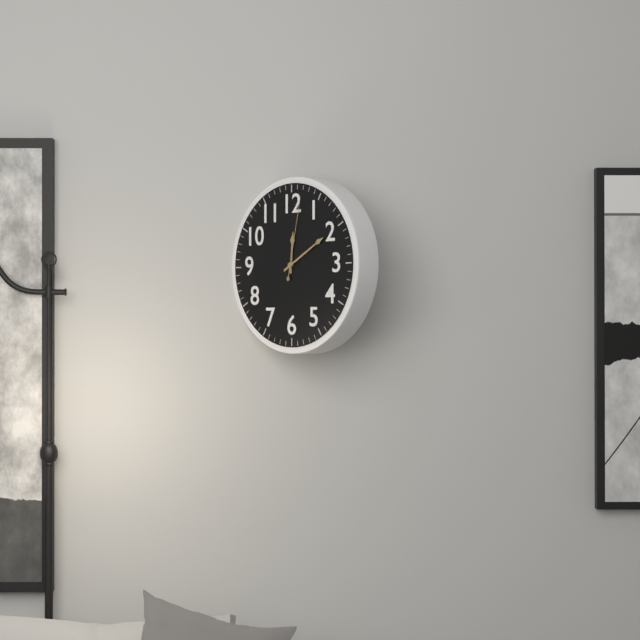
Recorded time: **12:10:02**
